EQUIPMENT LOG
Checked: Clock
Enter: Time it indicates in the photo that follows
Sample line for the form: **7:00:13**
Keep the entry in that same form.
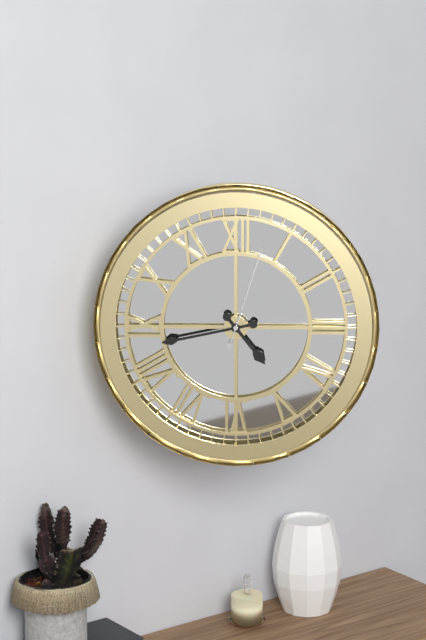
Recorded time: **4:43:03**
